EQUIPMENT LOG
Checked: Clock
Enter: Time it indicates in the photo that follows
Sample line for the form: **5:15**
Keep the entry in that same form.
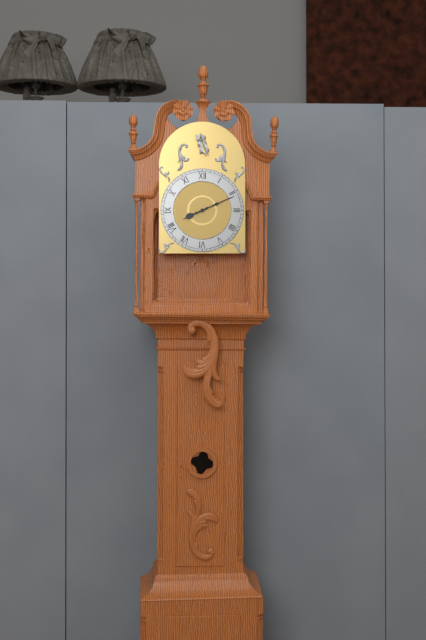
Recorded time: **8:11**
